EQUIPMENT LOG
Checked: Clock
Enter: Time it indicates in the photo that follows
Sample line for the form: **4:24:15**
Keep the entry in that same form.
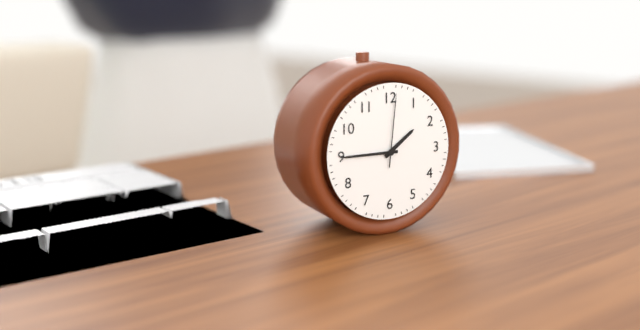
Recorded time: **1:45:01**
